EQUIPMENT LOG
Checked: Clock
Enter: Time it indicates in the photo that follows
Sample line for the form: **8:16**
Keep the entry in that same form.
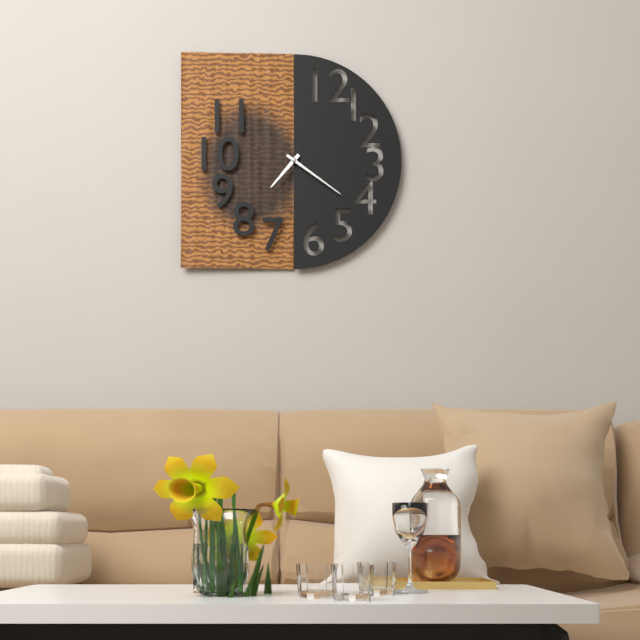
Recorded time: **7:21**
